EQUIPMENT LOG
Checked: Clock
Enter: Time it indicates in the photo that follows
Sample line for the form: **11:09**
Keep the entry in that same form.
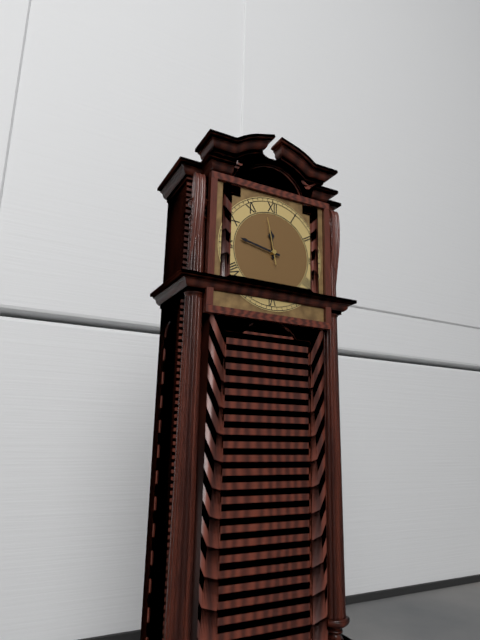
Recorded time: **11:47**
